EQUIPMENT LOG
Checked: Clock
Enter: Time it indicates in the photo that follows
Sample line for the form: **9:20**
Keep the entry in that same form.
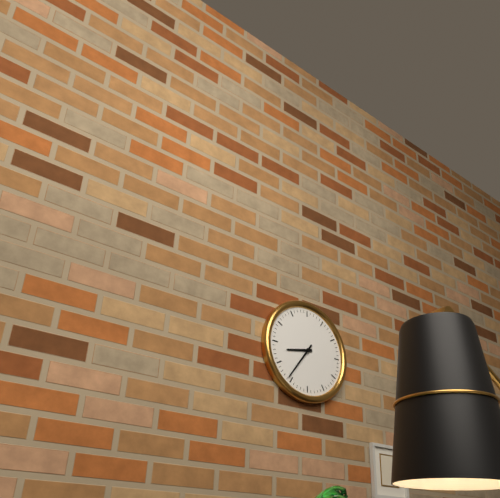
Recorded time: **8:36**
